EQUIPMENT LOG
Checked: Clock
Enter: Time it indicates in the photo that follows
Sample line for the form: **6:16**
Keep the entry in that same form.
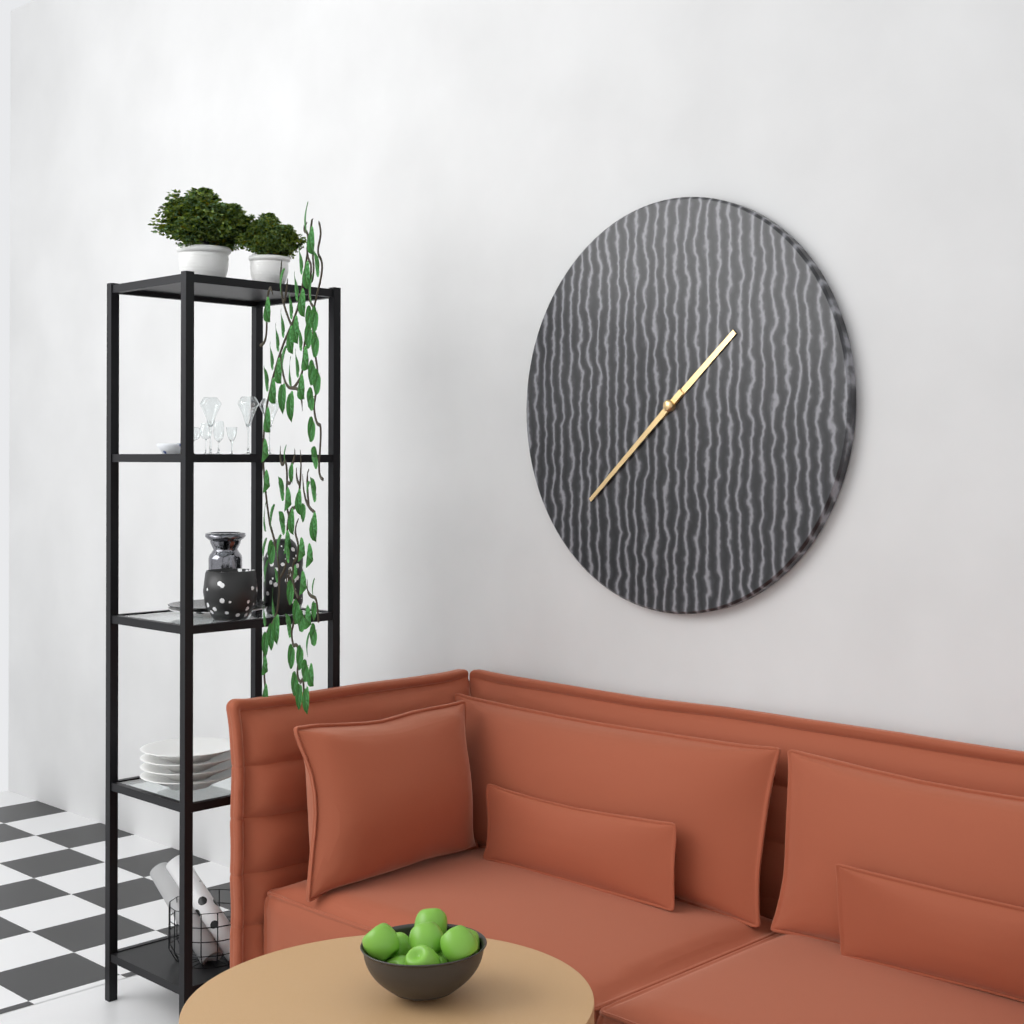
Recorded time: **1:38**
